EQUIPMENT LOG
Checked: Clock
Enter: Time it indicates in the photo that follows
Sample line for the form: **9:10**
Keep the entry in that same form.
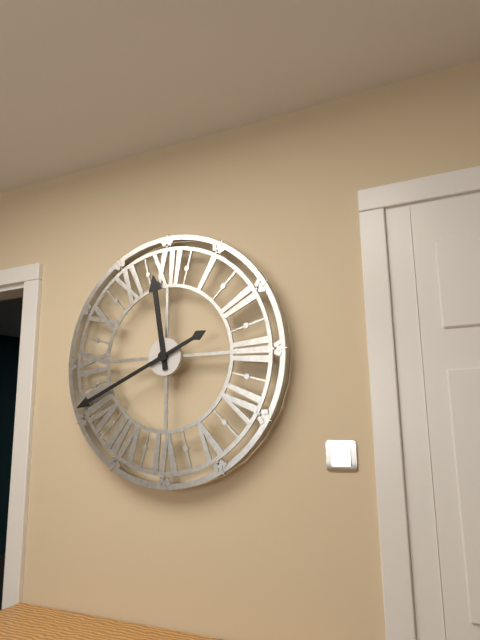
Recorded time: **11:41**
